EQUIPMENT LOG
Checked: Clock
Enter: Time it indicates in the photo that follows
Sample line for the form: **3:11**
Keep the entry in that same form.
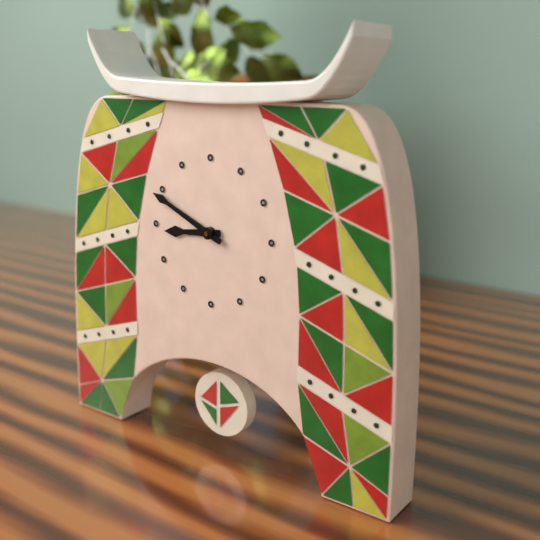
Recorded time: **8:49**
